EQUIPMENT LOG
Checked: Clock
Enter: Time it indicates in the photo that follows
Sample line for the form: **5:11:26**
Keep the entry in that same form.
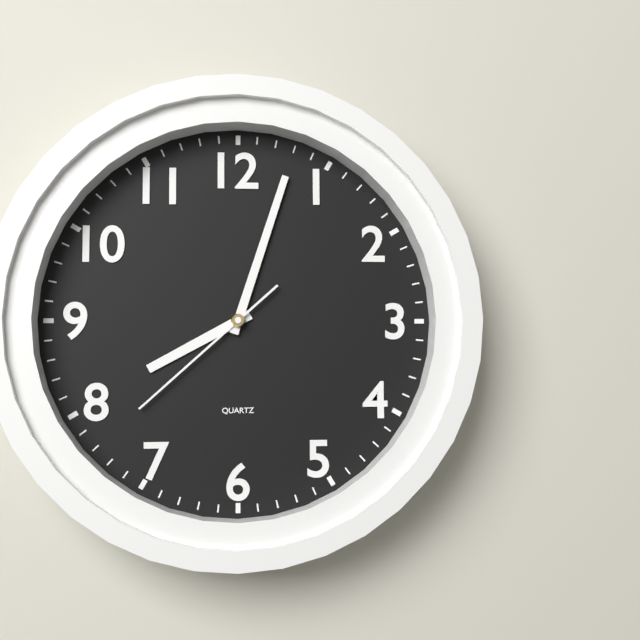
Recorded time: **8:03:38**
